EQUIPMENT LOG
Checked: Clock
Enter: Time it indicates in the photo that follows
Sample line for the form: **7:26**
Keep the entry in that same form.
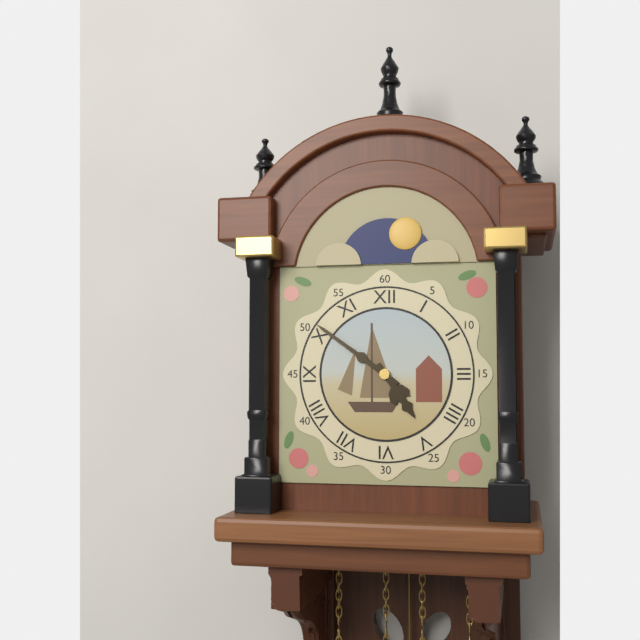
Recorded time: **4:51**
